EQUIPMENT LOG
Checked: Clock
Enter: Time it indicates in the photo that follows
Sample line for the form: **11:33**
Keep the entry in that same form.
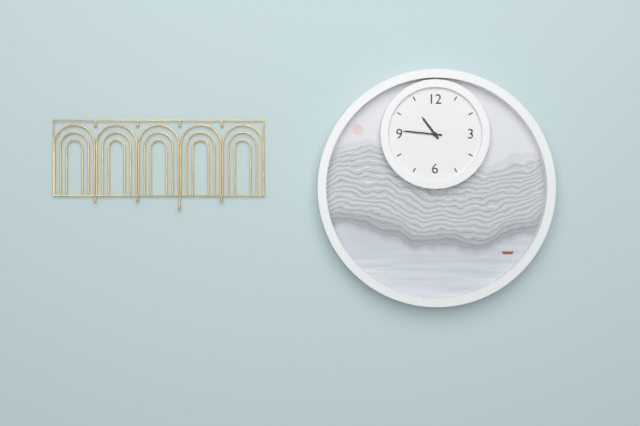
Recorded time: **10:46**
